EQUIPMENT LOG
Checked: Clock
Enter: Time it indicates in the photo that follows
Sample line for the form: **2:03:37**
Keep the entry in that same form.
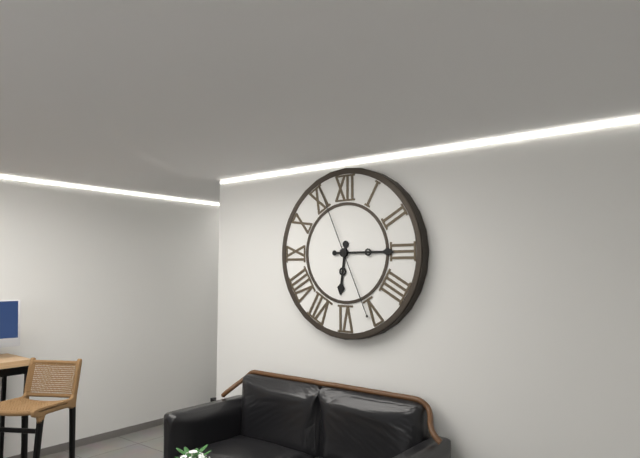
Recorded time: **6:15:56**
